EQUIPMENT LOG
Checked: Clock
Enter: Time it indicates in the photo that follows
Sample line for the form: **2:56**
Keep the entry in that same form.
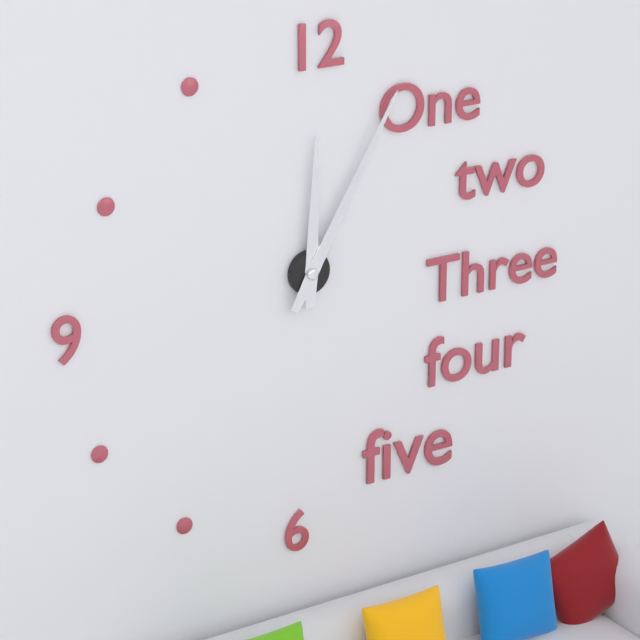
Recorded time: **12:05**
